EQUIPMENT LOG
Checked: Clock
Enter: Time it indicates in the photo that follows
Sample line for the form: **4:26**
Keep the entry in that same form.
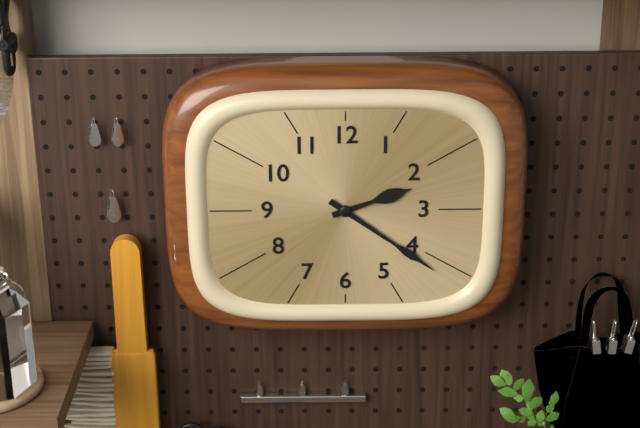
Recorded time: **2:21**
